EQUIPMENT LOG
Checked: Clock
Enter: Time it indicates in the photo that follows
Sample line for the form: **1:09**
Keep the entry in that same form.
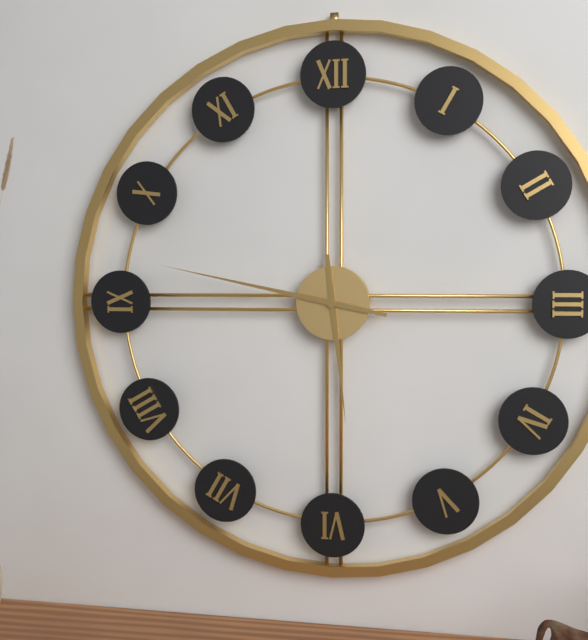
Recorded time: **5:47**
